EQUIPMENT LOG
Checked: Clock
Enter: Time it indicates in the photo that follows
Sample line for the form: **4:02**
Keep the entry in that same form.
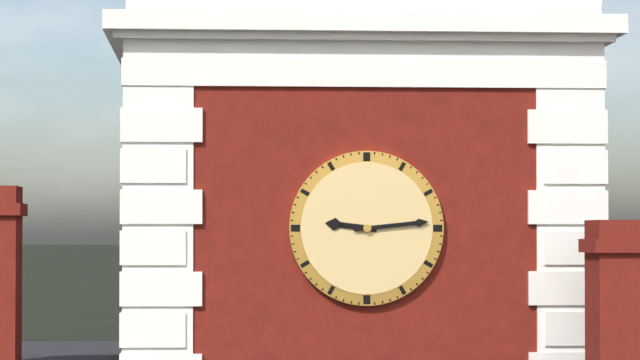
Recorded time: **9:14**
